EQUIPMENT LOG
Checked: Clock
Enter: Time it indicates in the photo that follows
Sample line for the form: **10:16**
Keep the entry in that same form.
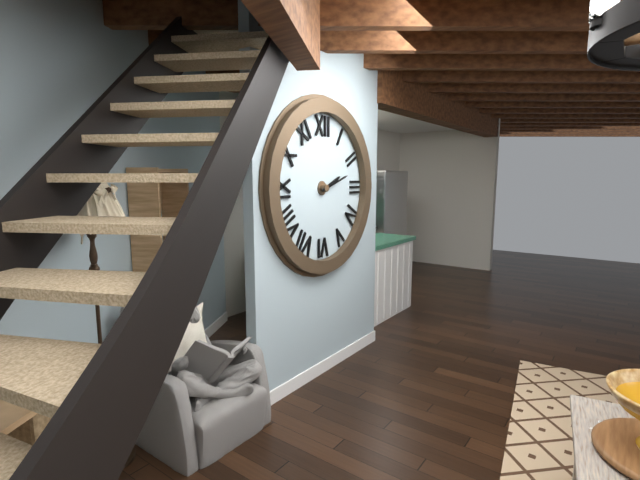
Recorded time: **2:12**
